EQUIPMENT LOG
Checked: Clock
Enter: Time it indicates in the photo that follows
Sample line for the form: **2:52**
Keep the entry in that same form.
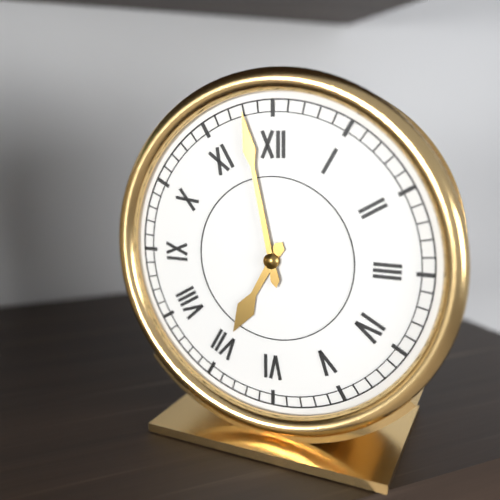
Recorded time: **6:58**
